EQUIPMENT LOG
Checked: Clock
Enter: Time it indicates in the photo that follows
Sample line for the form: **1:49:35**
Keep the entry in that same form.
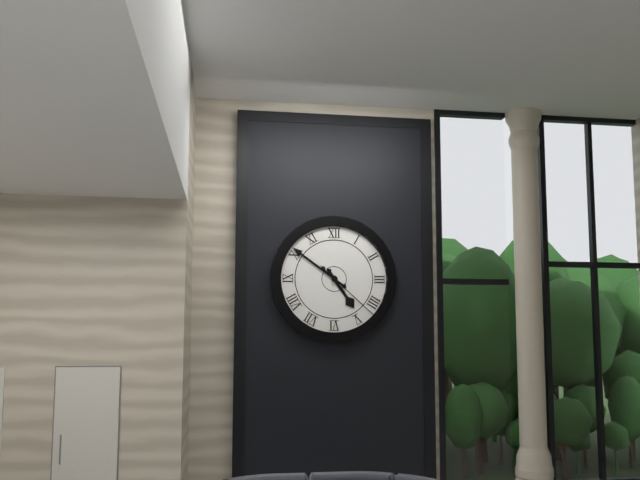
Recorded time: **4:51:22**
